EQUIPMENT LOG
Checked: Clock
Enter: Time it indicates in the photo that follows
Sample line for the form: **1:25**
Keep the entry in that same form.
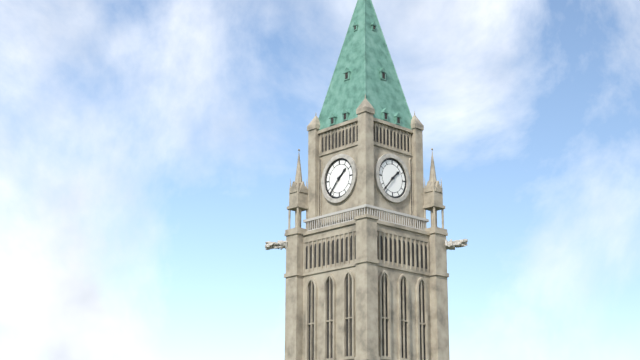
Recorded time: **1:37**
